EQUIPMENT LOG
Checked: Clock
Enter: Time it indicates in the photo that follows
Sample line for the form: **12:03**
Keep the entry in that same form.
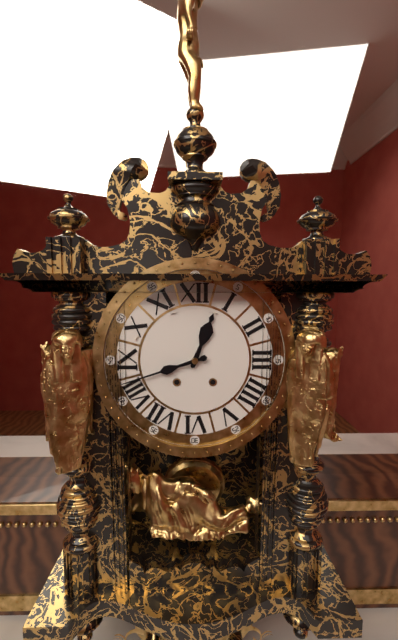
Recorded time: **12:42**
